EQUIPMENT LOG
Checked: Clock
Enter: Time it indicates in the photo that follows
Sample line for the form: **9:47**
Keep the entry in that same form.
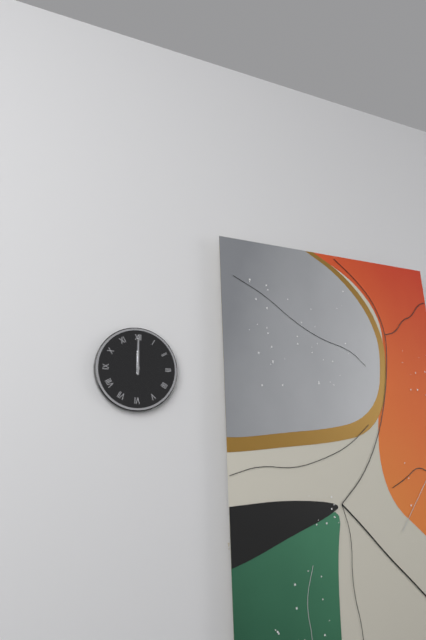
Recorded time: **12:00**
